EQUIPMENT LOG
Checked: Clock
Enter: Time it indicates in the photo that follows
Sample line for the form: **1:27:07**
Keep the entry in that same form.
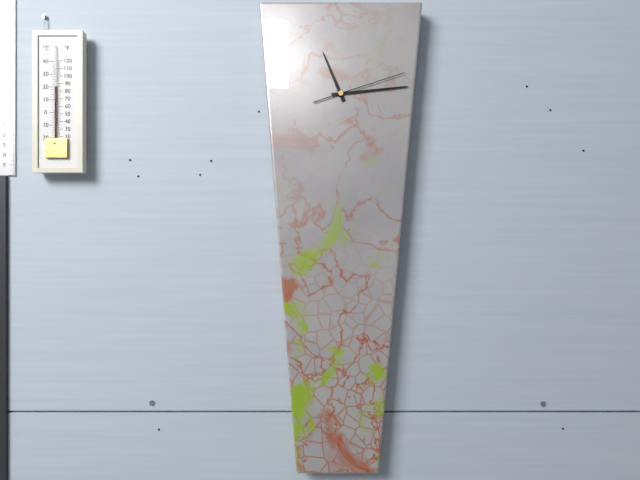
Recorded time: **11:14:12**
